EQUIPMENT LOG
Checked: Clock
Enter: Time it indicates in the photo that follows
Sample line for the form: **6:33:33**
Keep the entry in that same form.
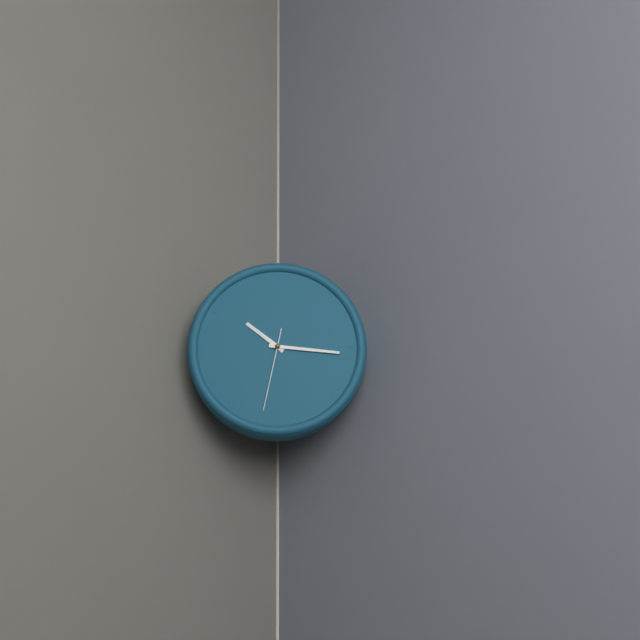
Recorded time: **10:16:32**
